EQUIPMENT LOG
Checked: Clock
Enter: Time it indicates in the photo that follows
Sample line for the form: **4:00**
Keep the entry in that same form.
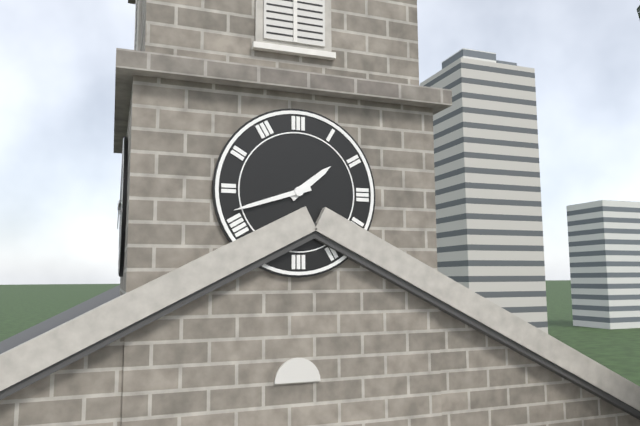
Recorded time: **1:42**
